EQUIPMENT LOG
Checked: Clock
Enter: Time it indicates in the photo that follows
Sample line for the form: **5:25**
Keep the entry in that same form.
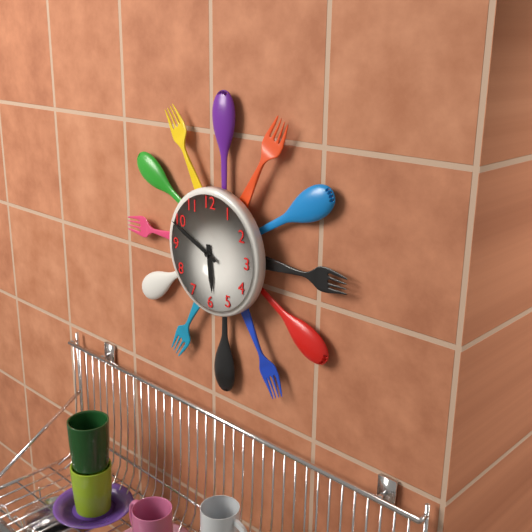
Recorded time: **5:49**
